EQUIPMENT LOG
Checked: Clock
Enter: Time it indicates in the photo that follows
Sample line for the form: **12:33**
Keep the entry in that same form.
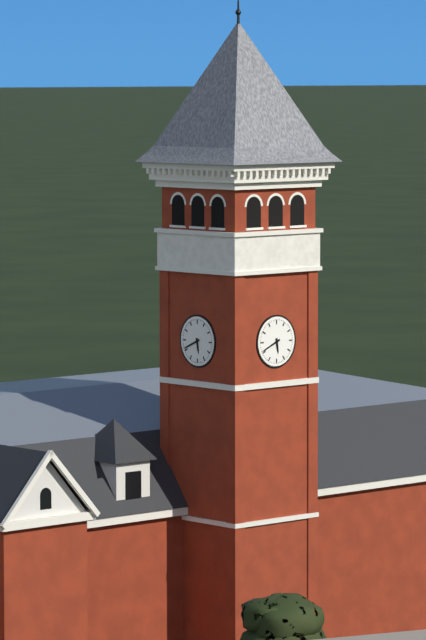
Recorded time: **5:41**
